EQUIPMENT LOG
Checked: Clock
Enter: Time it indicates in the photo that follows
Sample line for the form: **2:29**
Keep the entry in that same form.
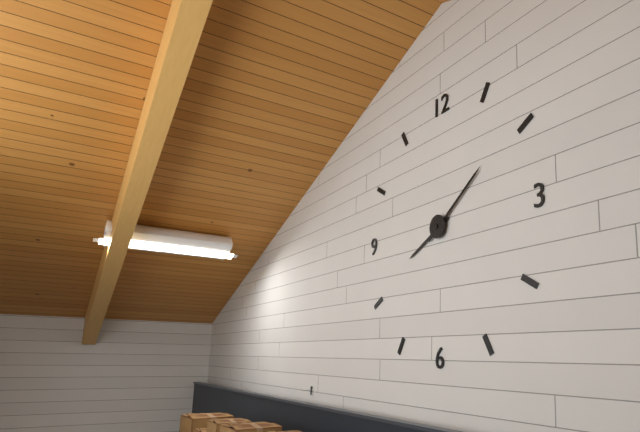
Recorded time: **8:09**
